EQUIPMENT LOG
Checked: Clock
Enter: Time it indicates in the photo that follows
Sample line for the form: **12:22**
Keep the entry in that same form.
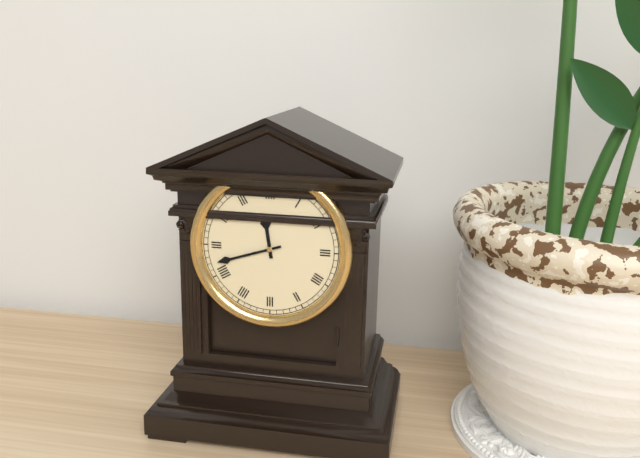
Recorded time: **11:42**
